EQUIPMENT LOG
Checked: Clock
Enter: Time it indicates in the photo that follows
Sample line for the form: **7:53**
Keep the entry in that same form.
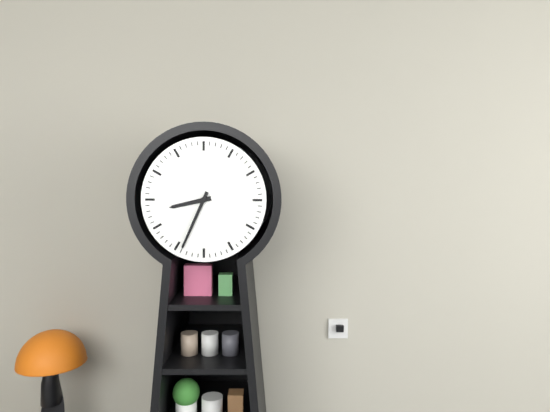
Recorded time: **8:34**
